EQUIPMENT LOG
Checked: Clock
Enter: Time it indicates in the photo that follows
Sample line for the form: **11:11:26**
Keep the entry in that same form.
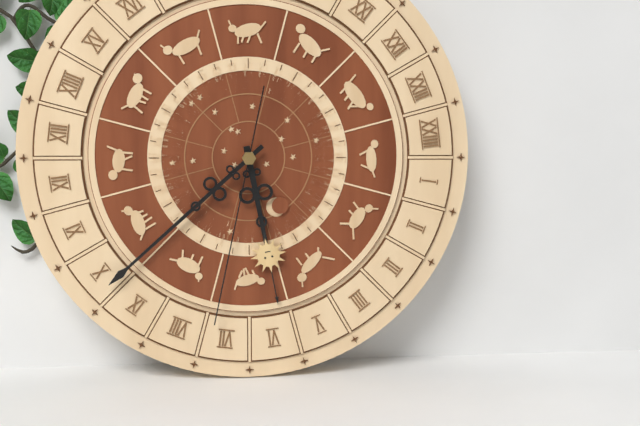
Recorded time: **5:38:32**
